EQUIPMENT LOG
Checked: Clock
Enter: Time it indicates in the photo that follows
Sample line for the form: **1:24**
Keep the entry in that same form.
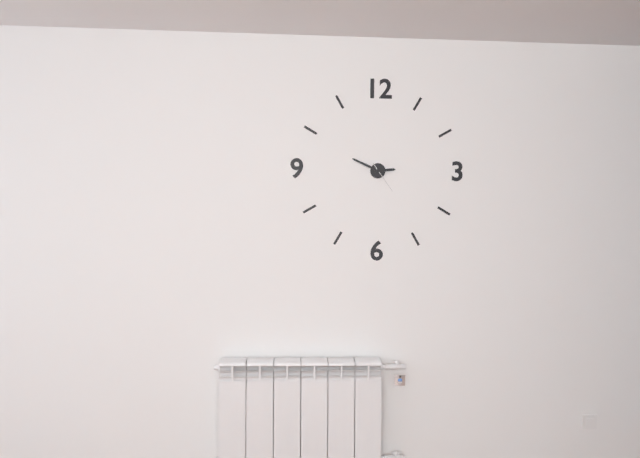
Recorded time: **2:49**
